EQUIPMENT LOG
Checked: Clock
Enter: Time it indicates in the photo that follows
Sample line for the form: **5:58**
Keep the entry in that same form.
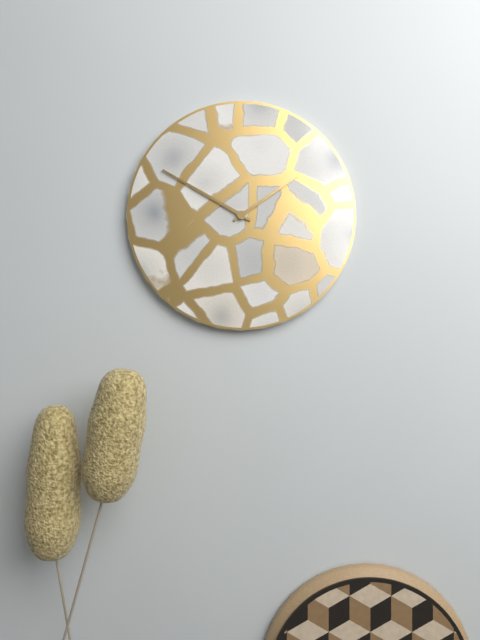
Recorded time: **1:50**
